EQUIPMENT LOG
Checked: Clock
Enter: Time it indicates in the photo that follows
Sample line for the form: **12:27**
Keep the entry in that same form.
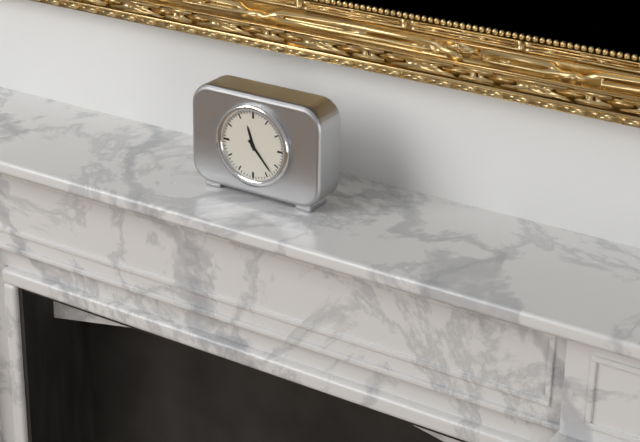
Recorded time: **11:23**
